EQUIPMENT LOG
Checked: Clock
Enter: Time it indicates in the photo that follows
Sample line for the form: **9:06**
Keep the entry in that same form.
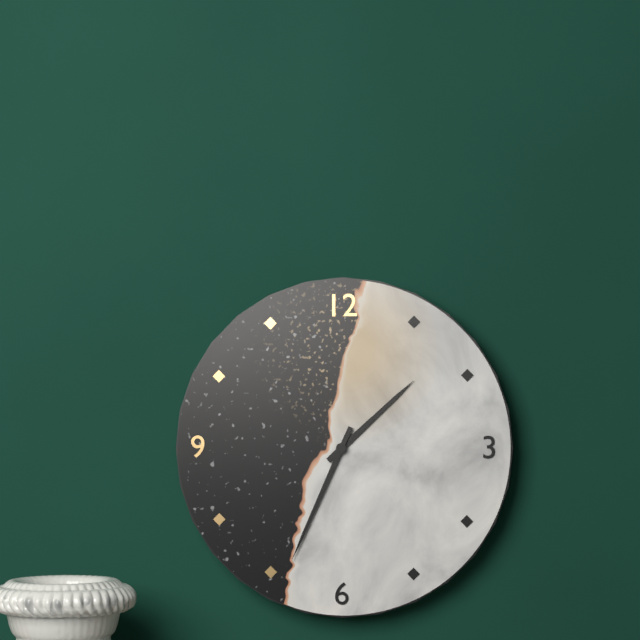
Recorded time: **1:34**
